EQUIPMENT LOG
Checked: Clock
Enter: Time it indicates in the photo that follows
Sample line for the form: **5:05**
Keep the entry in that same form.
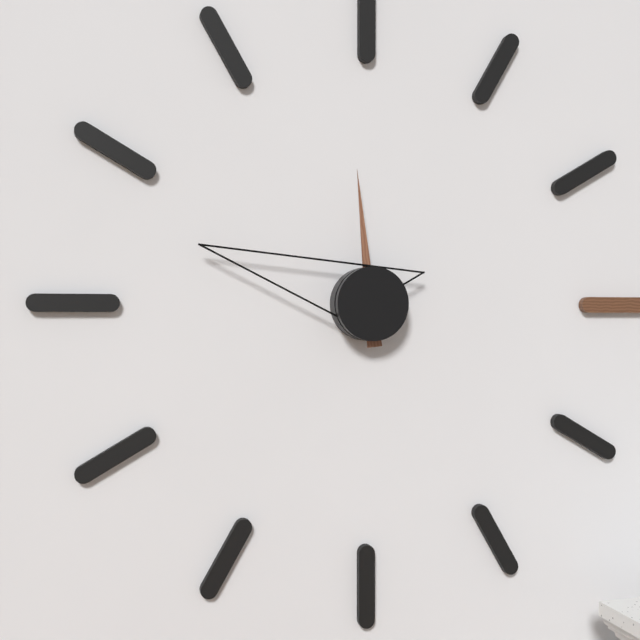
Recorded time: **11:48**
